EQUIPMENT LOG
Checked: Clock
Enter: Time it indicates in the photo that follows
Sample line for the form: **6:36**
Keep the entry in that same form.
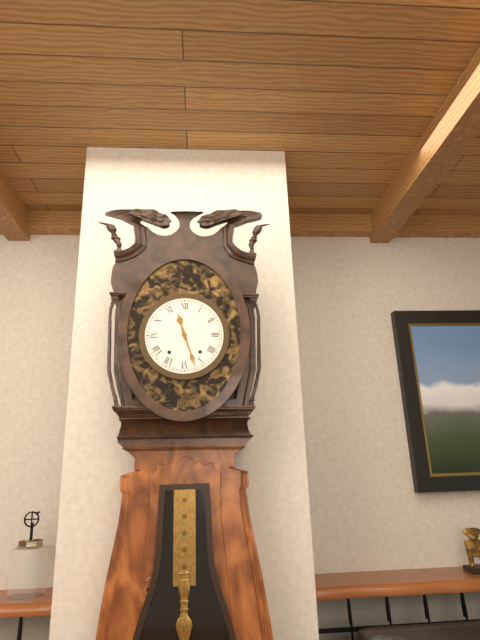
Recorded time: **11:27**
